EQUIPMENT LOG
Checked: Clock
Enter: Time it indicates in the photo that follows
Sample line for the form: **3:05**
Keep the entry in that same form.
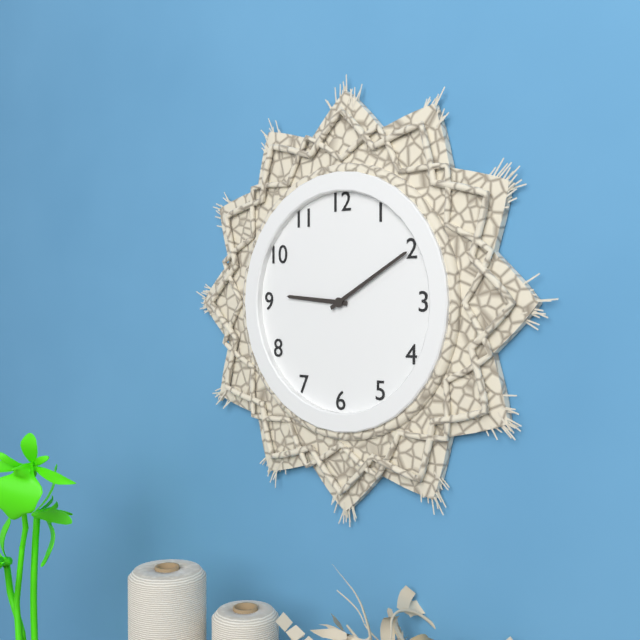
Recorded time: **9:10**
